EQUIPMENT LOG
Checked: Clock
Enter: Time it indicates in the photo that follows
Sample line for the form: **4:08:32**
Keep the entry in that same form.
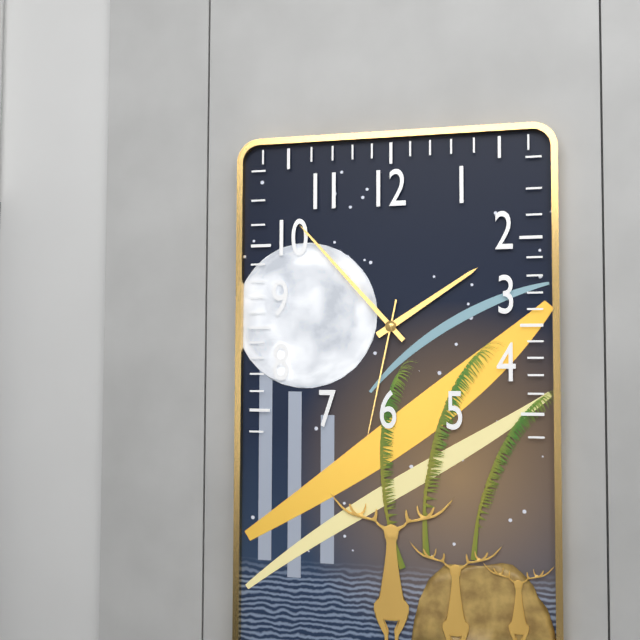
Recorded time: **1:53:32**
